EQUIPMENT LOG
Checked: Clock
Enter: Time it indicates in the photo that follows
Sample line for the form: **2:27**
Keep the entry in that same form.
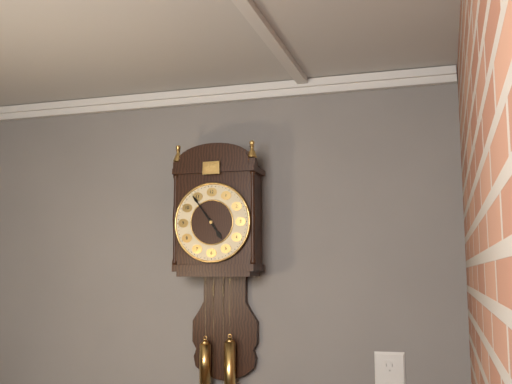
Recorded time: **4:54**
